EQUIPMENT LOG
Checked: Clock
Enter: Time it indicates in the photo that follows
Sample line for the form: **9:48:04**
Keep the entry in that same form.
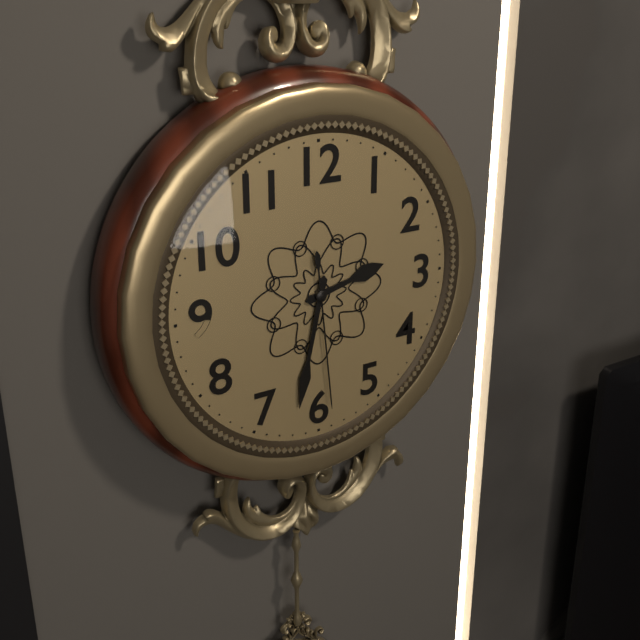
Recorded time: **2:32:29**
